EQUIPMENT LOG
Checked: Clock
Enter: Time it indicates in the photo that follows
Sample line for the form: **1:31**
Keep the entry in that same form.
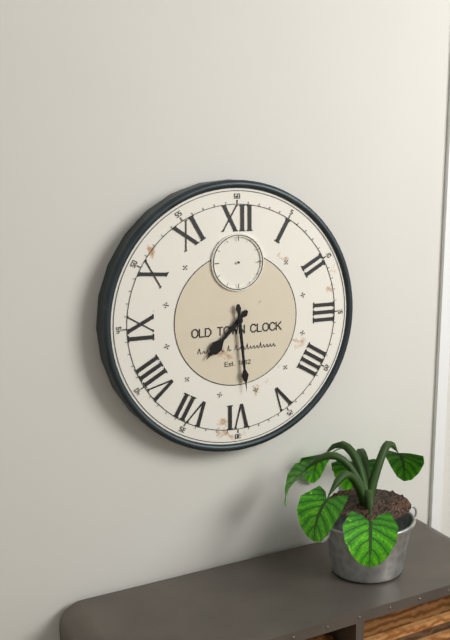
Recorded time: **7:29**
